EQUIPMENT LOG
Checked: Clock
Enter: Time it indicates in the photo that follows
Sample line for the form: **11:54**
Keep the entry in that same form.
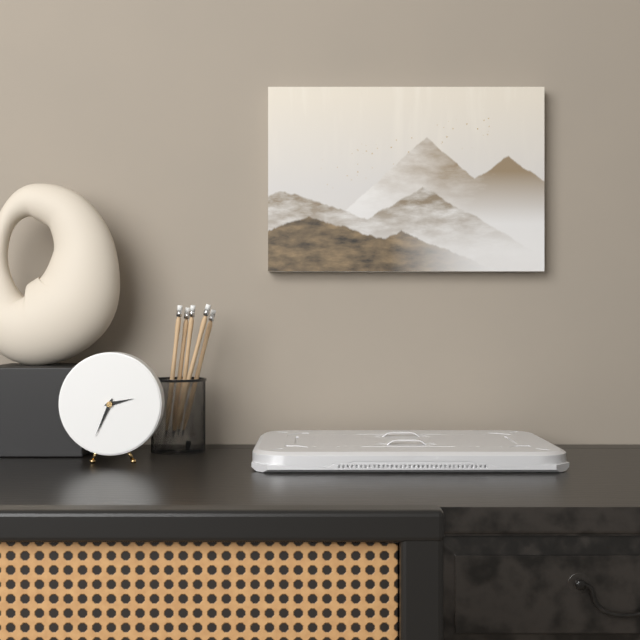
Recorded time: **2:34**
